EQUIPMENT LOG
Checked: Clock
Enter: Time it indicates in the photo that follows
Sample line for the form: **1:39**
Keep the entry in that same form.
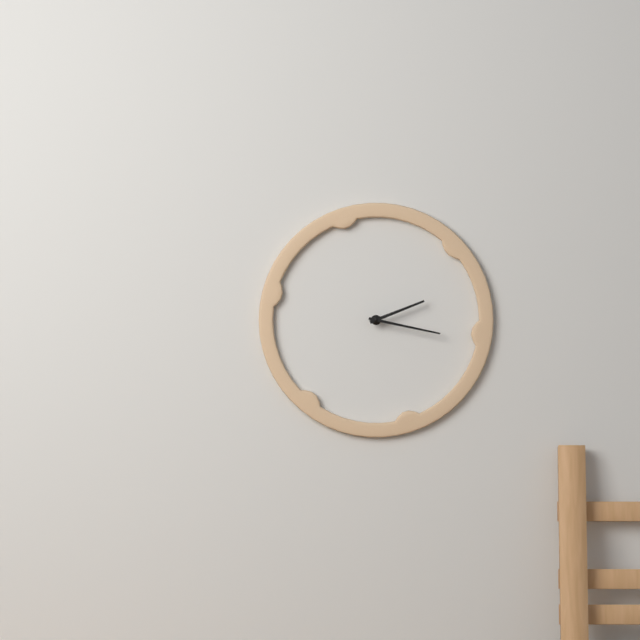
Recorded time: **2:17**
